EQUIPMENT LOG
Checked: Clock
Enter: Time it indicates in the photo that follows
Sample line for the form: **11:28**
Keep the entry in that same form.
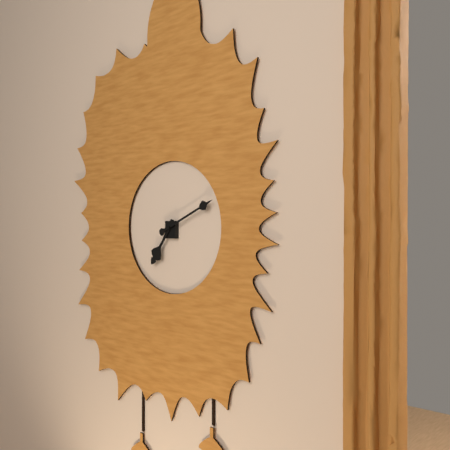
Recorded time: **7:11**
